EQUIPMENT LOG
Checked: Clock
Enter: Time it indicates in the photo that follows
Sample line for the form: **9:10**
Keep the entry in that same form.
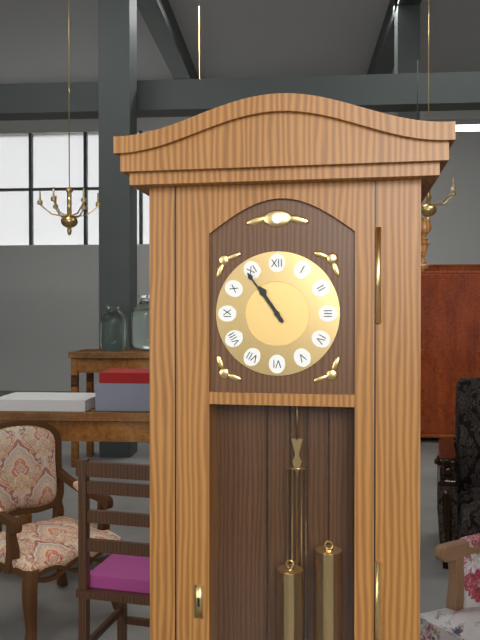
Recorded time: **10:54**
